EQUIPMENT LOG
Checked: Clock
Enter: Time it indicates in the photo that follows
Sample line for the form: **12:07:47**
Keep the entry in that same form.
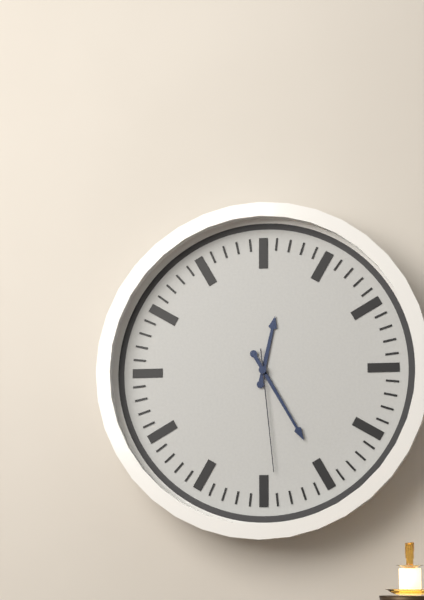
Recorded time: **12:25:29**
